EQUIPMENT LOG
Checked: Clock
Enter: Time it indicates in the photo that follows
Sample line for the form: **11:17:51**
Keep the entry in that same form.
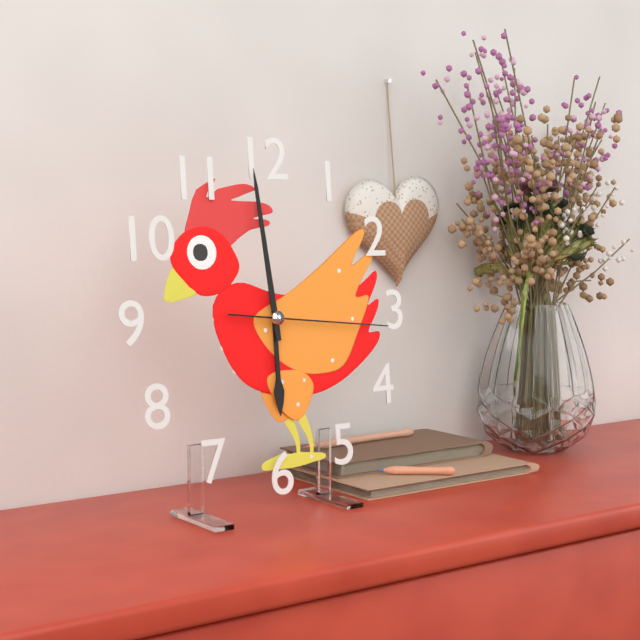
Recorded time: **5:59:16**
